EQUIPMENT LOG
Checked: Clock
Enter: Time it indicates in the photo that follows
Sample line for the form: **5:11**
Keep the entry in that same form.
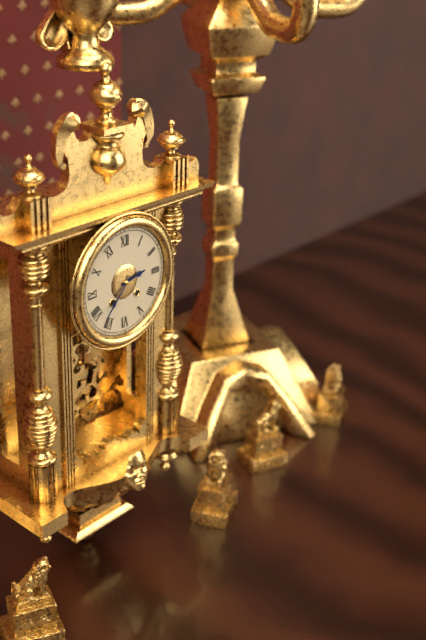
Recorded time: **2:37**
